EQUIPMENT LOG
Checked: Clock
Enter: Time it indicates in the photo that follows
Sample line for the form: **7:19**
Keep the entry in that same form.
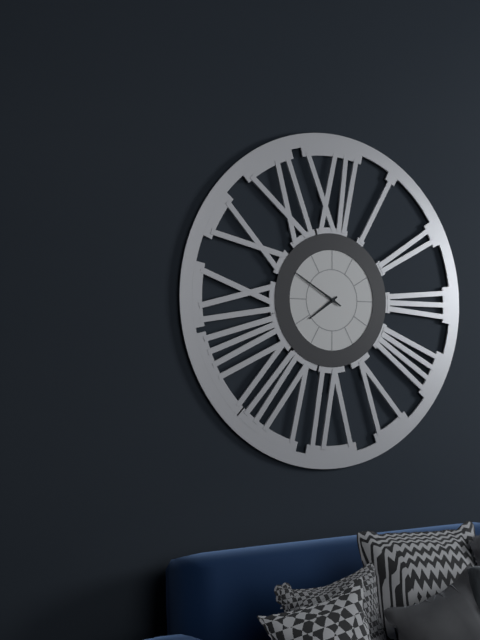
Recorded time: **7:50**
